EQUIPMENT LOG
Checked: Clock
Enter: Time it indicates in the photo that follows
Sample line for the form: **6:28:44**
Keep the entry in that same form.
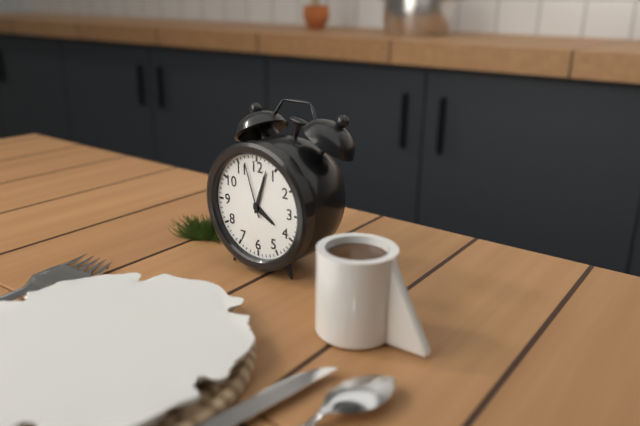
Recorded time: **4:03:57**
